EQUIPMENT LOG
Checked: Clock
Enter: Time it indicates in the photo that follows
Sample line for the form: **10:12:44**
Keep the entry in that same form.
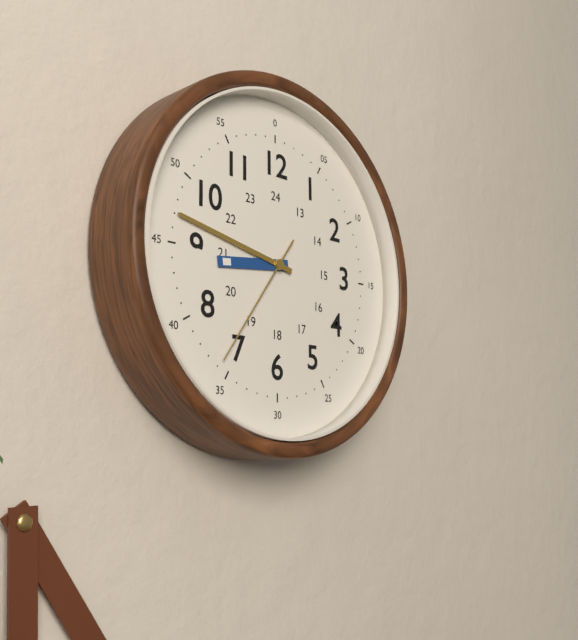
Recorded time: **8:47:36**
